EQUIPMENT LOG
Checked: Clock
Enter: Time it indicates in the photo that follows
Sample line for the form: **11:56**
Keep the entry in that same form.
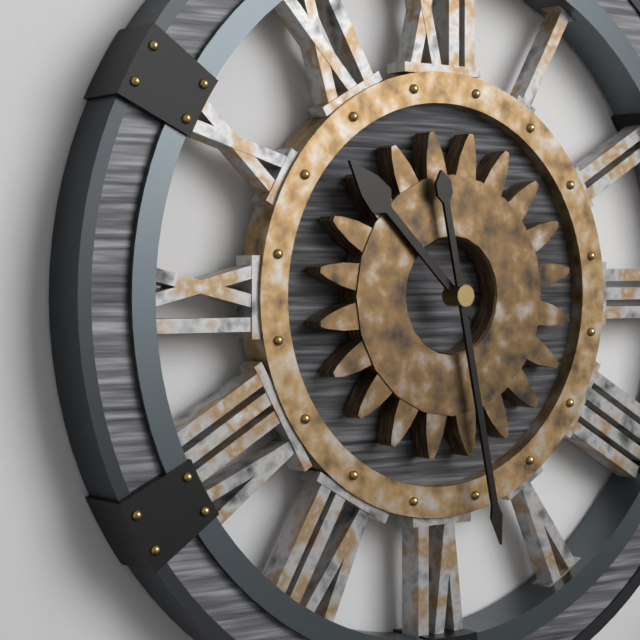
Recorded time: **10:28**
